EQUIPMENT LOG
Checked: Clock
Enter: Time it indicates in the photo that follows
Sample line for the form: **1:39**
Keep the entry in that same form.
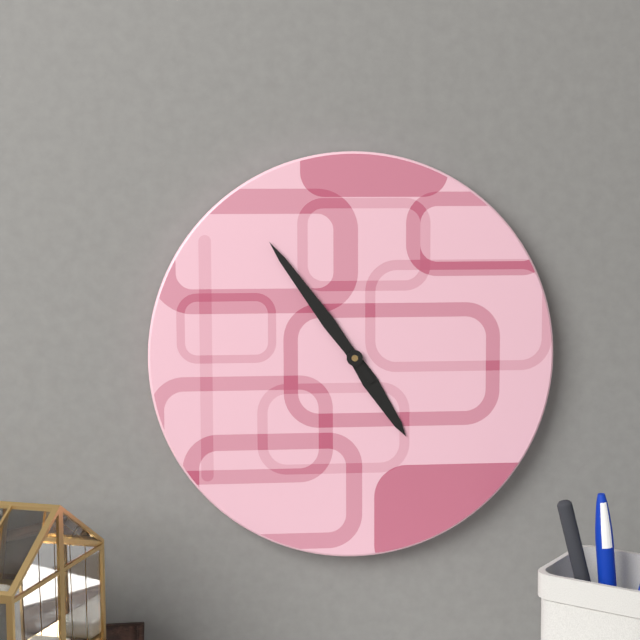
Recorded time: **4:54**
